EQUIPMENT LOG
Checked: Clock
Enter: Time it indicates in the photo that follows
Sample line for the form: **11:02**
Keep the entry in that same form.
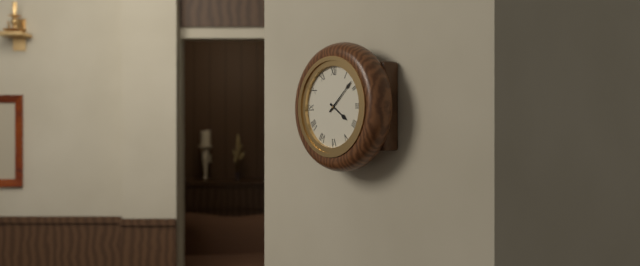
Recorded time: **4:08**
